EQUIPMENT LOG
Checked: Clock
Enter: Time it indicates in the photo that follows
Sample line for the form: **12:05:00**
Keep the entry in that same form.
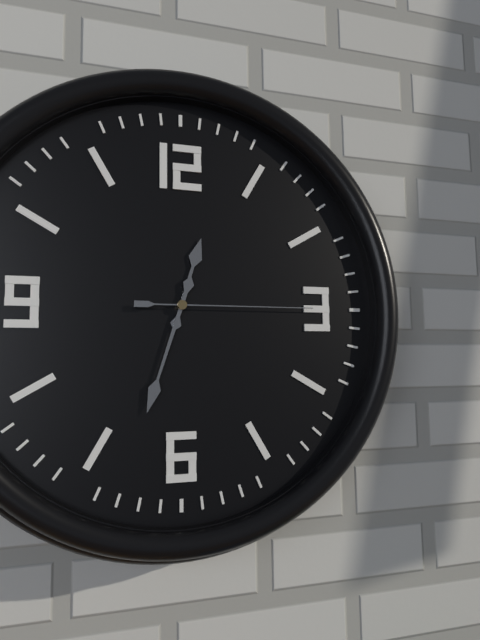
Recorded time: **12:33:15**
